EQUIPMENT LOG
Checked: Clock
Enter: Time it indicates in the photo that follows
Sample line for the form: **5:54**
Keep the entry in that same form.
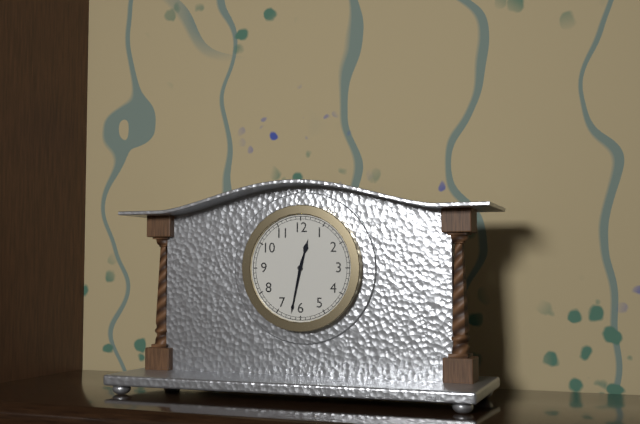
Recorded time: **12:32**
